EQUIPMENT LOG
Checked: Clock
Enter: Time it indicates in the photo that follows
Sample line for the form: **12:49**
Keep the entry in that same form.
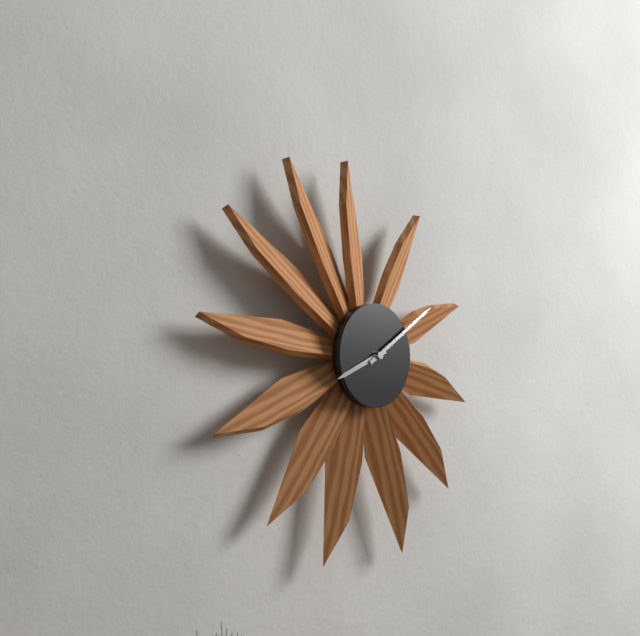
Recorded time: **8:09**
